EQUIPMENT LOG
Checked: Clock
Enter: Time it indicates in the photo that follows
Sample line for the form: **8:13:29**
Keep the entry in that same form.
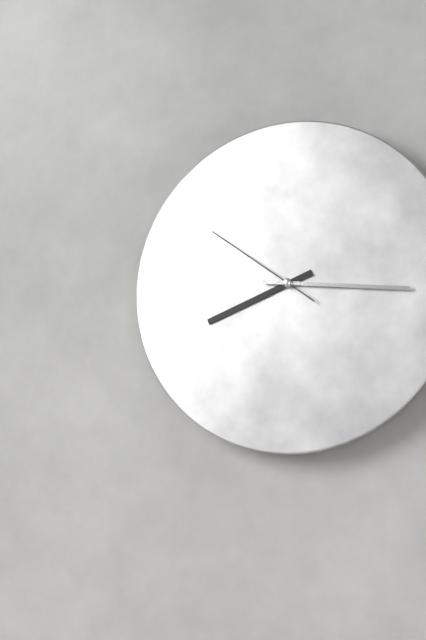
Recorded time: **8:16:51**
